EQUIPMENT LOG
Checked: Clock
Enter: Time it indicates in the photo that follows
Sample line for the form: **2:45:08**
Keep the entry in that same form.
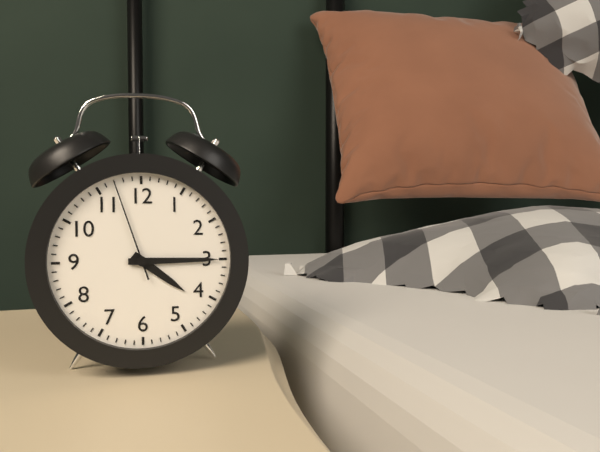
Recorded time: **4:15:57**
